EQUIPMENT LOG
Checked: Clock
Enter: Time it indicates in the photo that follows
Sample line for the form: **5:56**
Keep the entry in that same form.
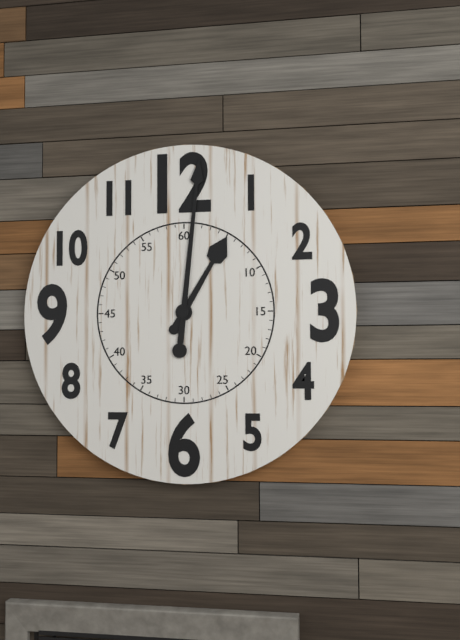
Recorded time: **1:01**
